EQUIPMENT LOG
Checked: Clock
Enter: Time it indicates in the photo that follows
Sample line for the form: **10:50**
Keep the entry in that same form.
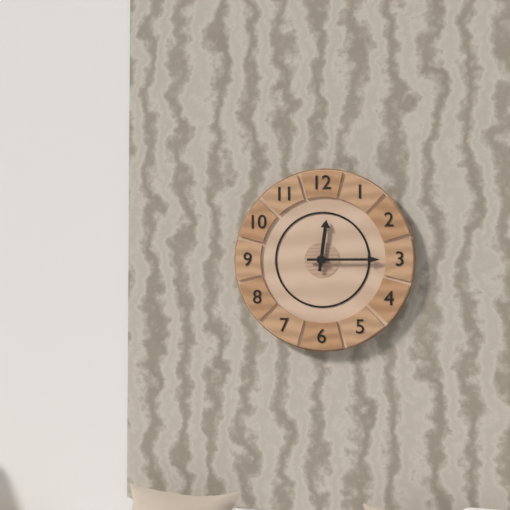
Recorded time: **12:15**
